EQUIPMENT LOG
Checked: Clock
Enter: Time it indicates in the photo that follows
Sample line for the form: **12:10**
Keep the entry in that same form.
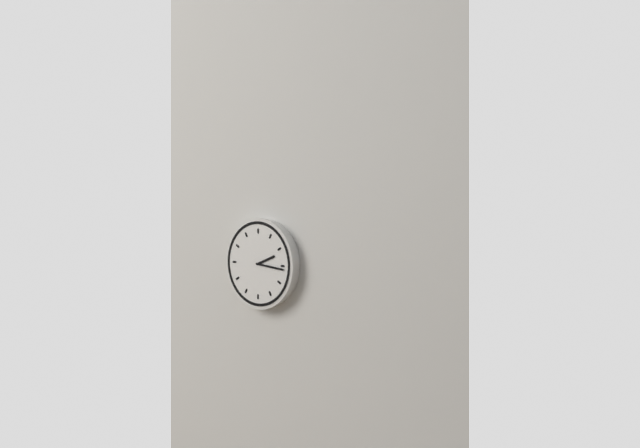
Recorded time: **2:16**
